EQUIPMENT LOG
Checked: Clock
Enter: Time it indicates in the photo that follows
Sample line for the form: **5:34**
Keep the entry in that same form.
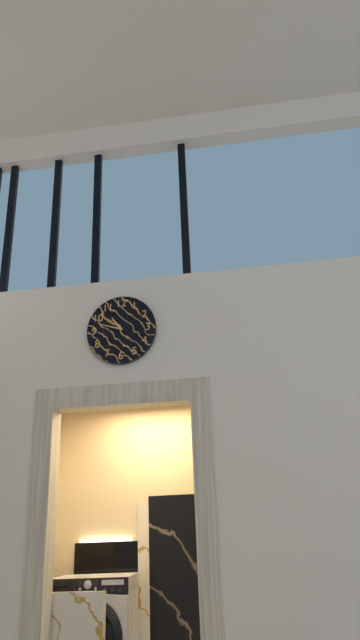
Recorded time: **10:48**
